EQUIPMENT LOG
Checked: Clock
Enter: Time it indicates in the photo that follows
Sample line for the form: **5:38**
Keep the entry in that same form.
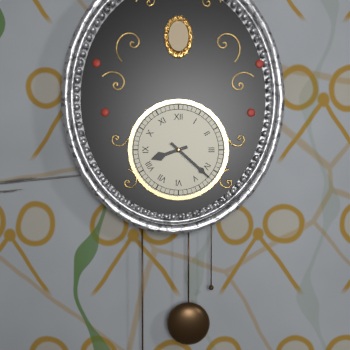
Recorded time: **8:22**
